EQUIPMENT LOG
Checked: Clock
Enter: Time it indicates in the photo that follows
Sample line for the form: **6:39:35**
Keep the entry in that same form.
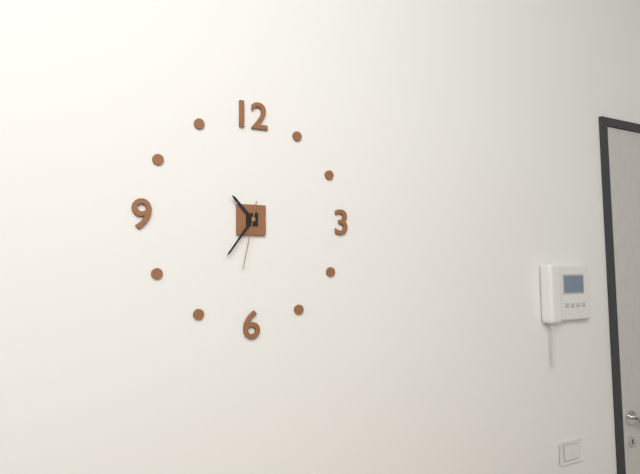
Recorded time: **10:36:32**
